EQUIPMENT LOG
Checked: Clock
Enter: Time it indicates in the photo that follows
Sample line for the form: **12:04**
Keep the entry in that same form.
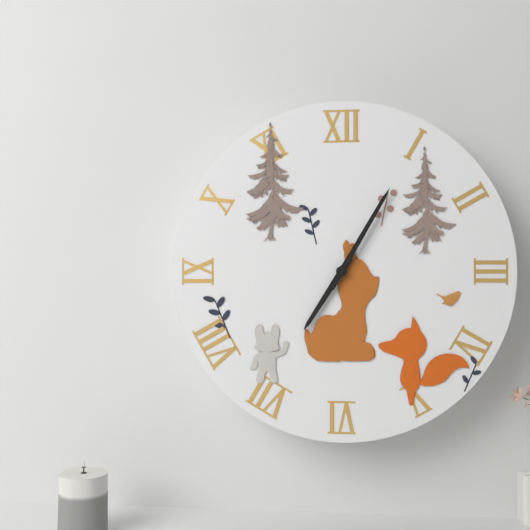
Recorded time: **7:05**
